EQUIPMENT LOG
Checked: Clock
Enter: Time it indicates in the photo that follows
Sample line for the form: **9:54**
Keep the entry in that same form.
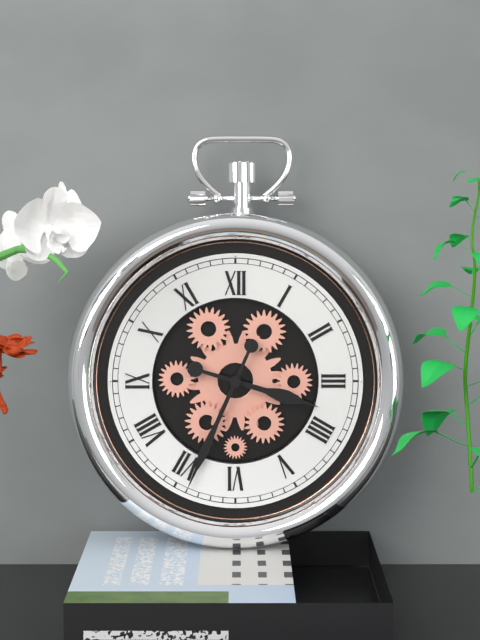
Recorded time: **3:34**
